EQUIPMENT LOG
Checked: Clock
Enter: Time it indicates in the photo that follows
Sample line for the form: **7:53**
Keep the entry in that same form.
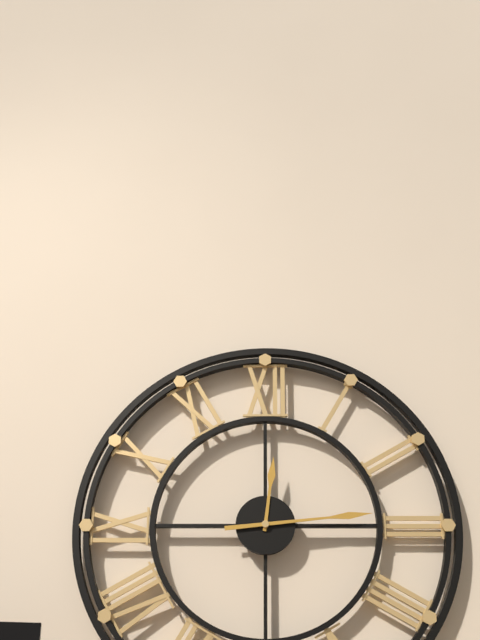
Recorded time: **12:14**
